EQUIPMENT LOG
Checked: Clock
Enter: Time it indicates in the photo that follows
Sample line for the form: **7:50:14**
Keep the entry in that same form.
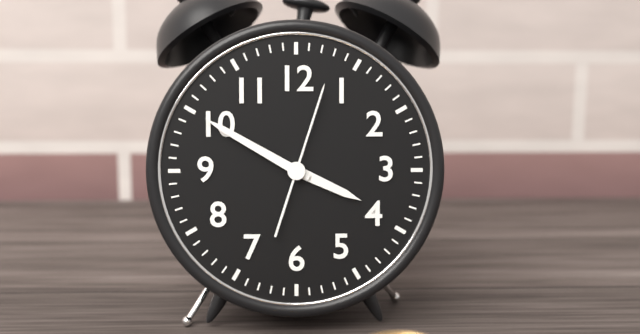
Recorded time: **3:50:03**
